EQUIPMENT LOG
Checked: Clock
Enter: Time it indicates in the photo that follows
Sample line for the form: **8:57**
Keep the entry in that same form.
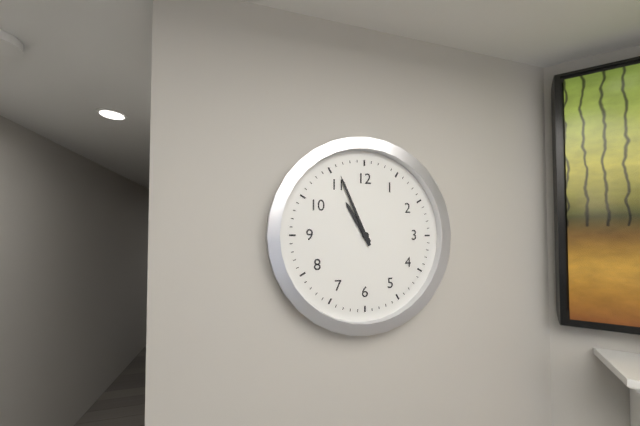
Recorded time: **10:56**
